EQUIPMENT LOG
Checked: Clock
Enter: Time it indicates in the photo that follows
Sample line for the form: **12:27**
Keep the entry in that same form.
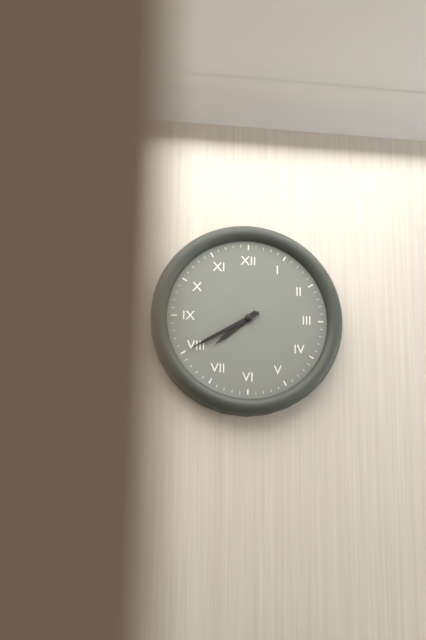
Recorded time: **7:40**
